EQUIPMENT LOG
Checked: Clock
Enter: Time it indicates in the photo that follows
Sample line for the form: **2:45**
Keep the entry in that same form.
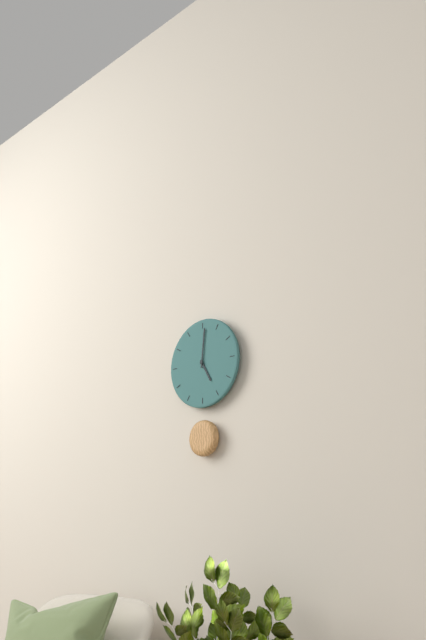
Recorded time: **5:01**
